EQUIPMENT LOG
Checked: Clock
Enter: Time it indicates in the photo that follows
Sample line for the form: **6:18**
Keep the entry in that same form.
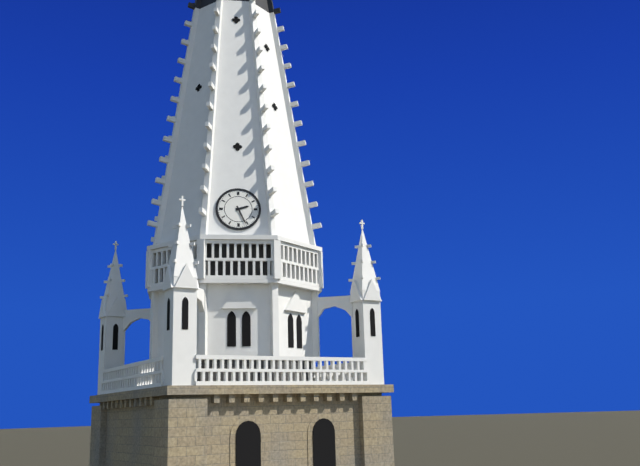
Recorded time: **2:26**
